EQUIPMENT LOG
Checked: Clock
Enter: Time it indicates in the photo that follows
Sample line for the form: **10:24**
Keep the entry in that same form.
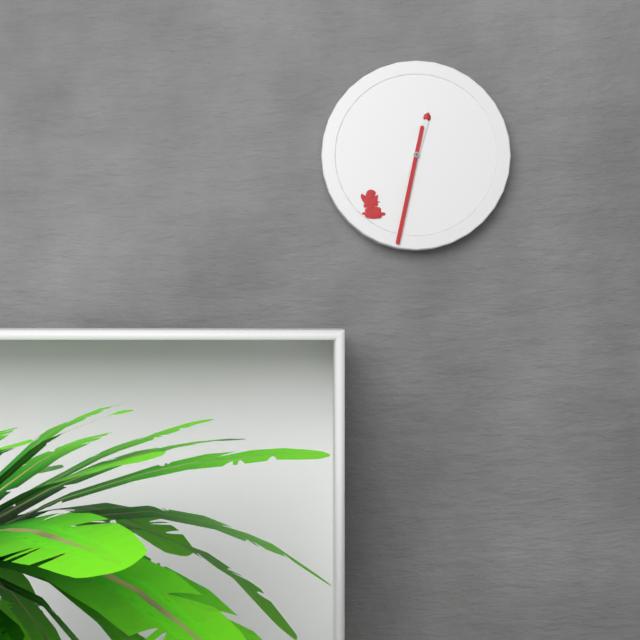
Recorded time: **12:32**
